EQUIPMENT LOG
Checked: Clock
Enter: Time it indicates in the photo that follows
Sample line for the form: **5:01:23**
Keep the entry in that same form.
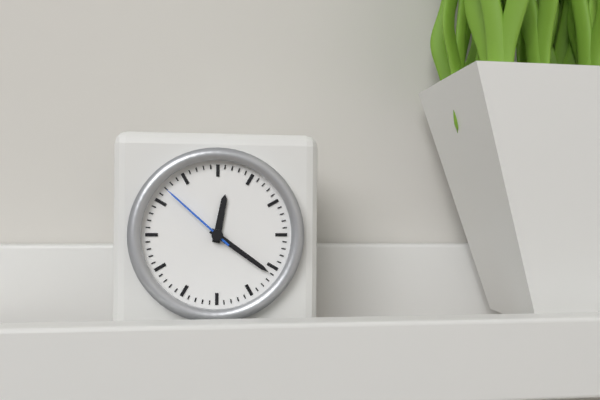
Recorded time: **12:21:52**
